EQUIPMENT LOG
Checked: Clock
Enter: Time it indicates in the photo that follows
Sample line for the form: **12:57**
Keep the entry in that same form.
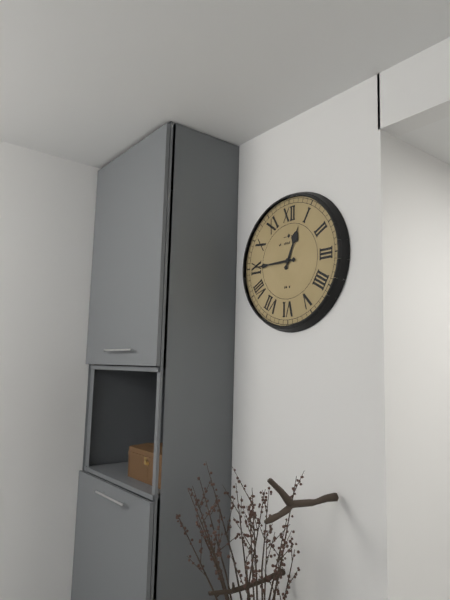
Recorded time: **12:45**
